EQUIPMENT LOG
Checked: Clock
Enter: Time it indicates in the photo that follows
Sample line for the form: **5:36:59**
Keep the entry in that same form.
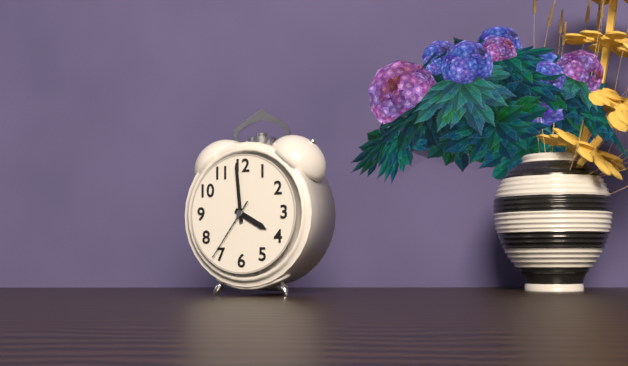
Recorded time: **3:59:36**
